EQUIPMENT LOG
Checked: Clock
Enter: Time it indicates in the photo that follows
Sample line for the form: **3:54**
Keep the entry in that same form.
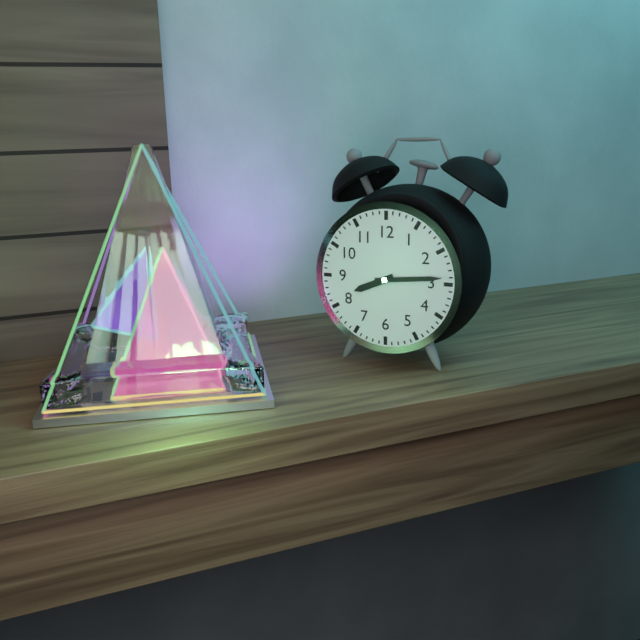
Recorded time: **8:14**
